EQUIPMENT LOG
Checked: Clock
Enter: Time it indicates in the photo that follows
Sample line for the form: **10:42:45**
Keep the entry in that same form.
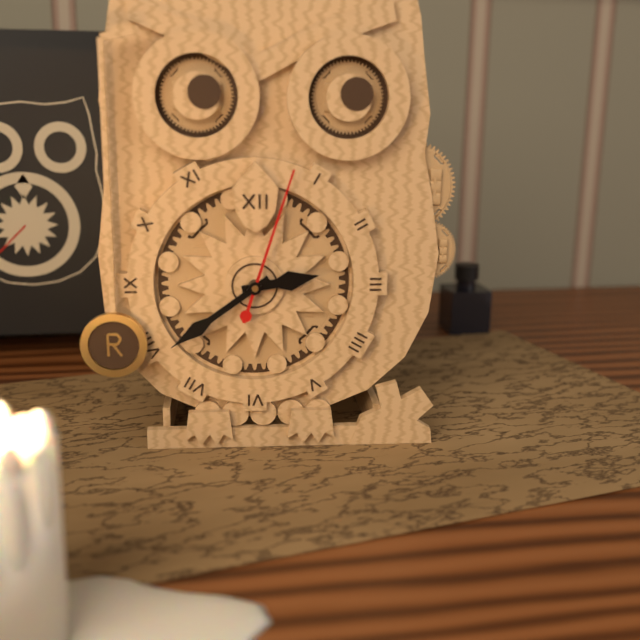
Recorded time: **2:39:03**
